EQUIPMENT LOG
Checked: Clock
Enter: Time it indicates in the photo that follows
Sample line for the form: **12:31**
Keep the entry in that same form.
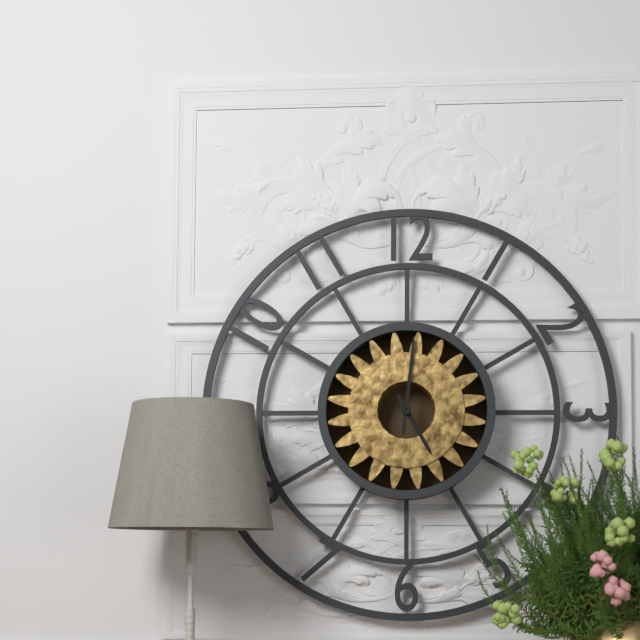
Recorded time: **5:01**
